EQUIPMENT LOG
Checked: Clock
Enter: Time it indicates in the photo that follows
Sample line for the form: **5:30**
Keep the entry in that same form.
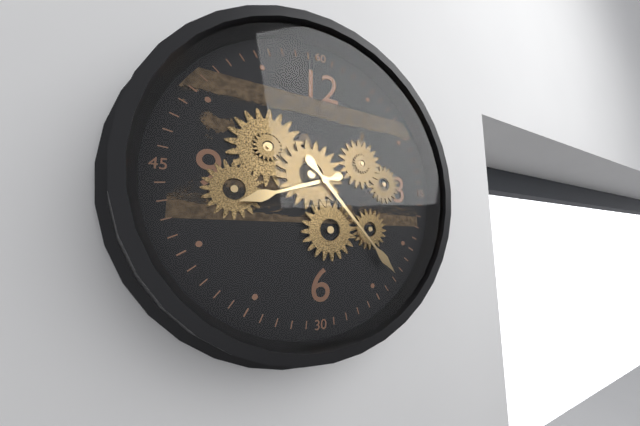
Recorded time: **8:23**
